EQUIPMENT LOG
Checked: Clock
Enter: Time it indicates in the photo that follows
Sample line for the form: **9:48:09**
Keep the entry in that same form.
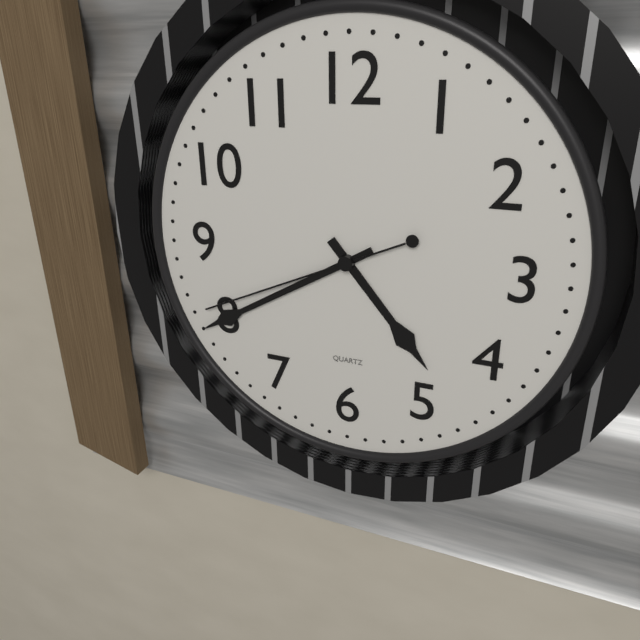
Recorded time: **4:40:41**
